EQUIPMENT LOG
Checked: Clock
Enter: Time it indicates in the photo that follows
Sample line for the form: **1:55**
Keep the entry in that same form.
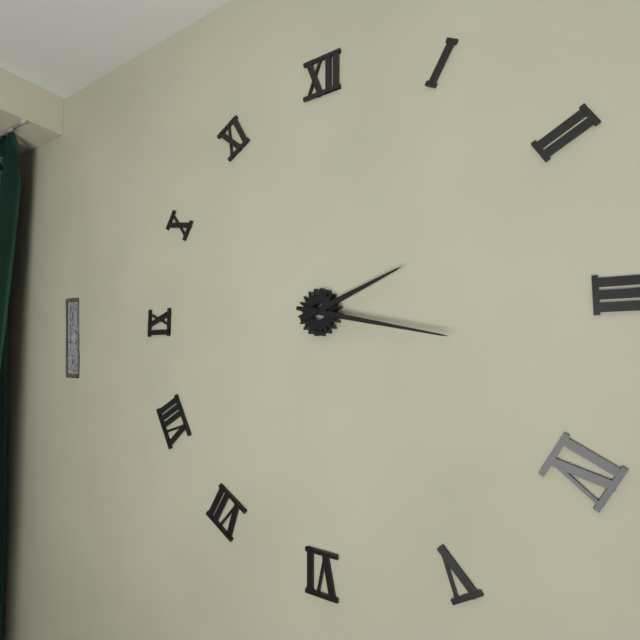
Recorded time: **2:17**
